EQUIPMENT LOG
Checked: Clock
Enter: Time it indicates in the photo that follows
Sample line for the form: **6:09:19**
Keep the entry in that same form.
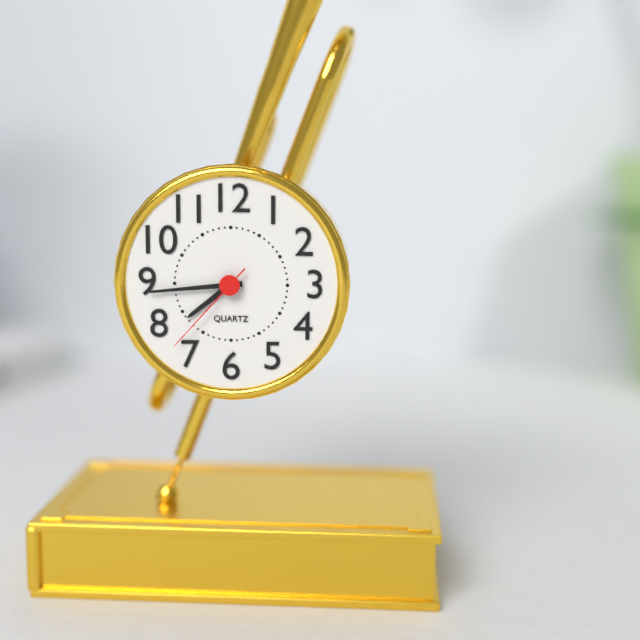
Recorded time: **7:44:37**
